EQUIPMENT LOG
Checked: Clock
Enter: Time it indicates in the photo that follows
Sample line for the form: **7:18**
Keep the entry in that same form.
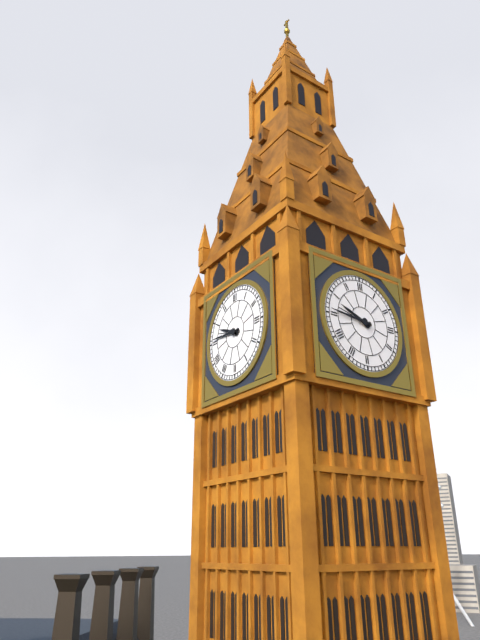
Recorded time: **9:46**
